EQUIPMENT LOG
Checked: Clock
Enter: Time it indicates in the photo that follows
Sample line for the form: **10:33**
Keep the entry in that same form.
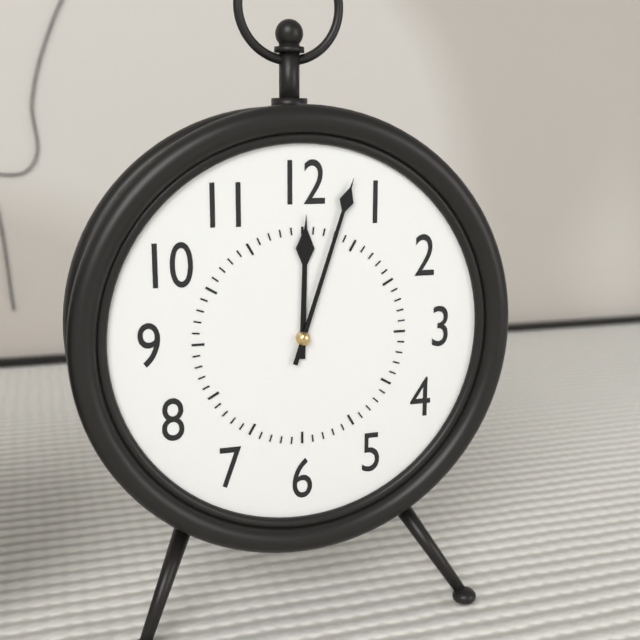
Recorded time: **12:03**
